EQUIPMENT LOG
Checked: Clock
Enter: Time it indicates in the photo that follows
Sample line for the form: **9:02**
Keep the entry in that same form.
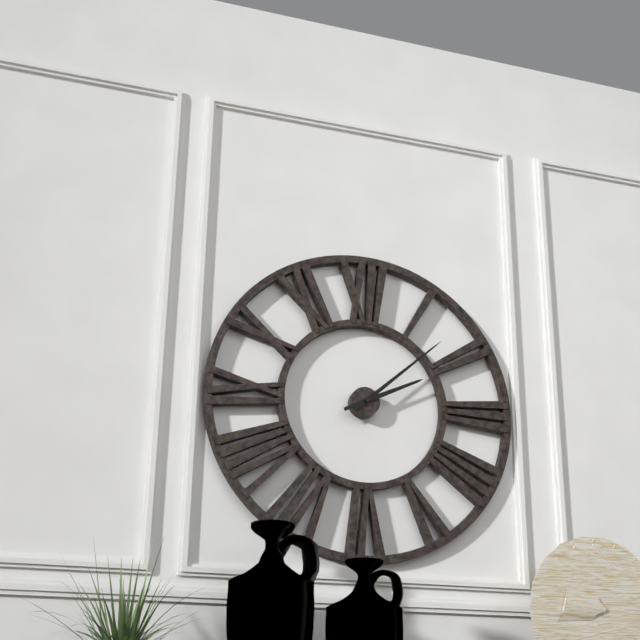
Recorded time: **2:08**
